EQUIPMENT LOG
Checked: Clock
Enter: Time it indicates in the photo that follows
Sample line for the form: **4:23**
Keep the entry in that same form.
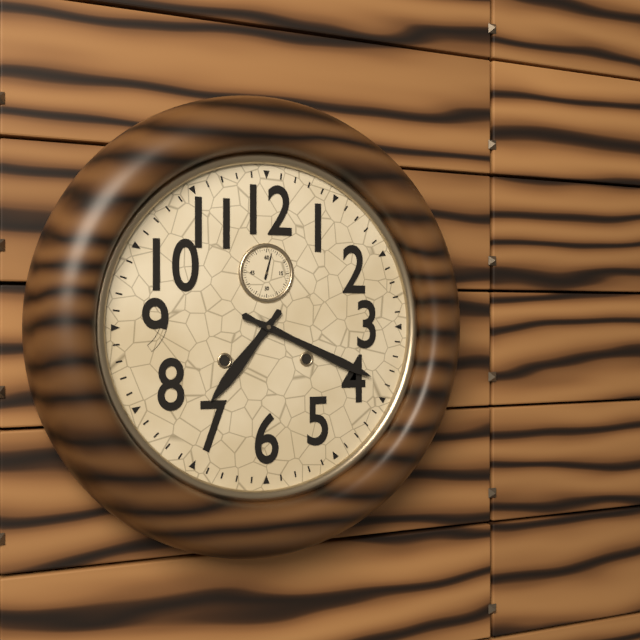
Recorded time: **7:19**
